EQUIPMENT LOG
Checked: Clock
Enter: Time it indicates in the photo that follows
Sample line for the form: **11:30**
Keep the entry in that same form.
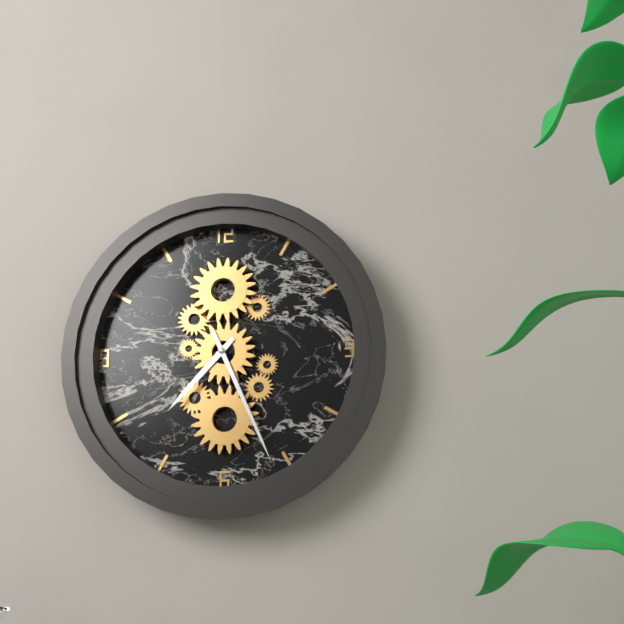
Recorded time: **7:26**
